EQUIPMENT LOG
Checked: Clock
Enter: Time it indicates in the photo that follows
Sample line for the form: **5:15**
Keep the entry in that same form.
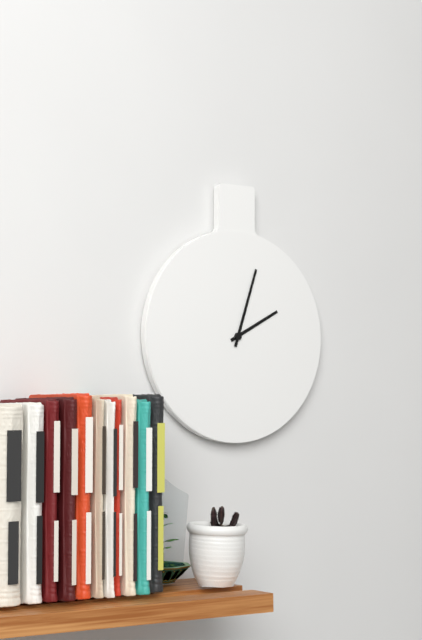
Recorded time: **2:03**
